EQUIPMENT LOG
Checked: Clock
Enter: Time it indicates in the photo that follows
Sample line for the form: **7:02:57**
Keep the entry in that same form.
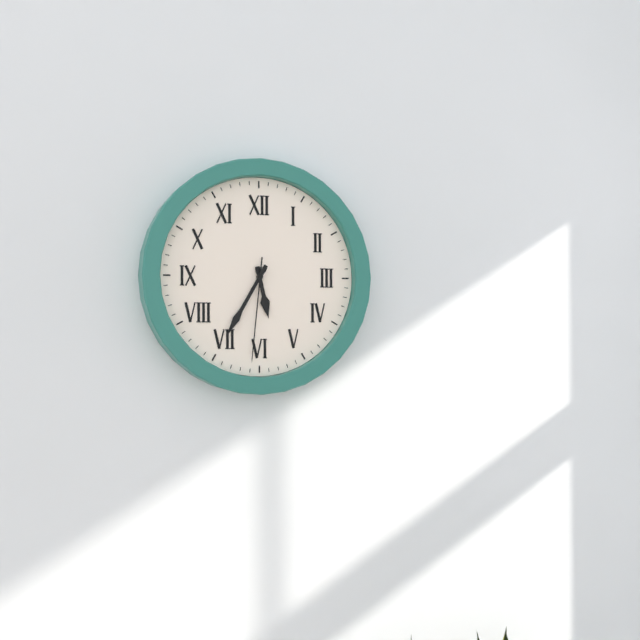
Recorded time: **5:35:31**
